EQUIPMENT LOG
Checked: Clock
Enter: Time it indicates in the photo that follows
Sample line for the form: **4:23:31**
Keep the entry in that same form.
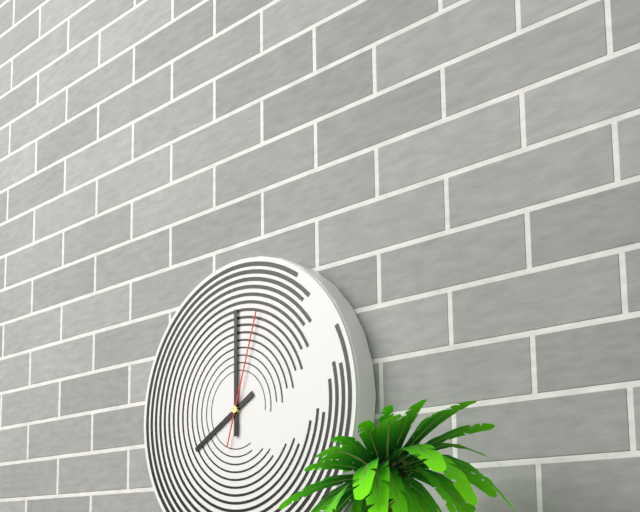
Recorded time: **8:00:03**
